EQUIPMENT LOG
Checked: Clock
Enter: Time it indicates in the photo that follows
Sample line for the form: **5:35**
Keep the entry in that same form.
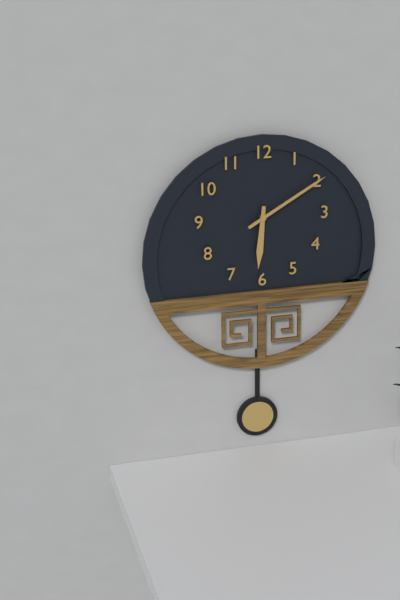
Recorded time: **6:10**
